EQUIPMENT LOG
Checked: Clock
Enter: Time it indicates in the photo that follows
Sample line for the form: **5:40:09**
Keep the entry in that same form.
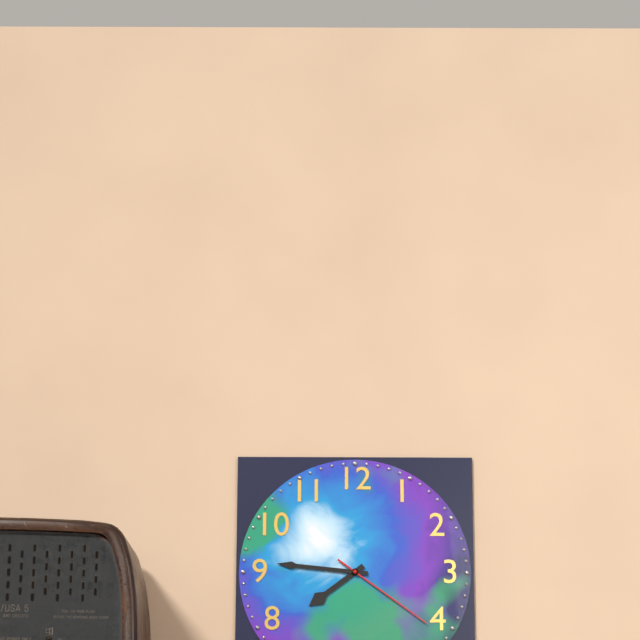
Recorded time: **7:46:21**
